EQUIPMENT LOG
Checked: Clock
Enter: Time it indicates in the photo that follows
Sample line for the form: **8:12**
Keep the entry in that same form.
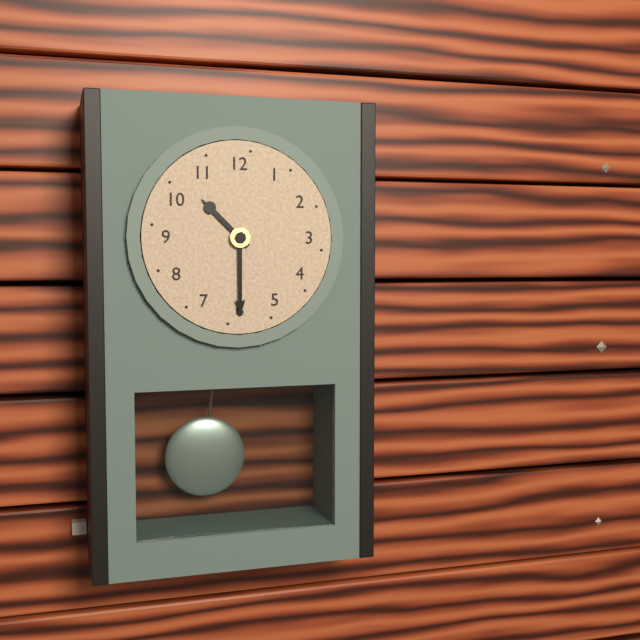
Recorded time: **10:30**
